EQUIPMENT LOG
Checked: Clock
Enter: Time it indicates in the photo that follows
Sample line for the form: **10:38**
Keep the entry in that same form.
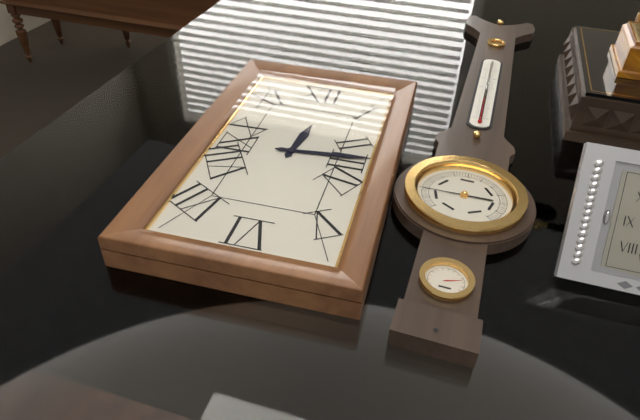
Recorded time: **12:14**
